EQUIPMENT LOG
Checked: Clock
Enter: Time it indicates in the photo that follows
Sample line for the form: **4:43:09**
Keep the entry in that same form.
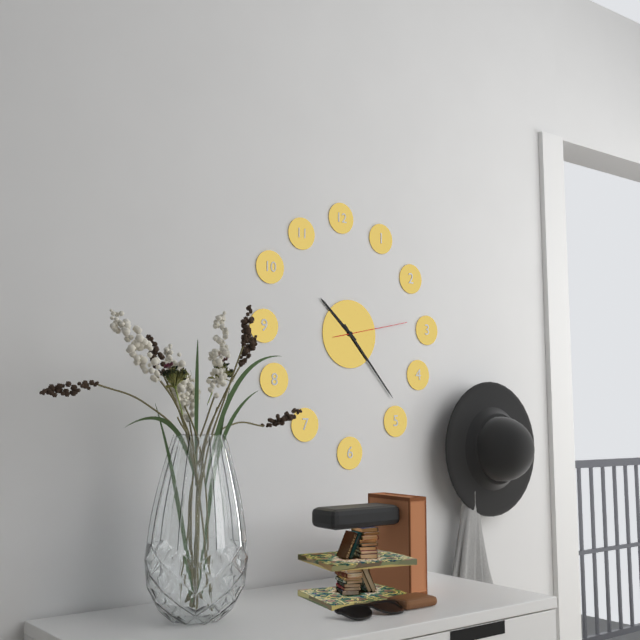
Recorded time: **10:23:13**
